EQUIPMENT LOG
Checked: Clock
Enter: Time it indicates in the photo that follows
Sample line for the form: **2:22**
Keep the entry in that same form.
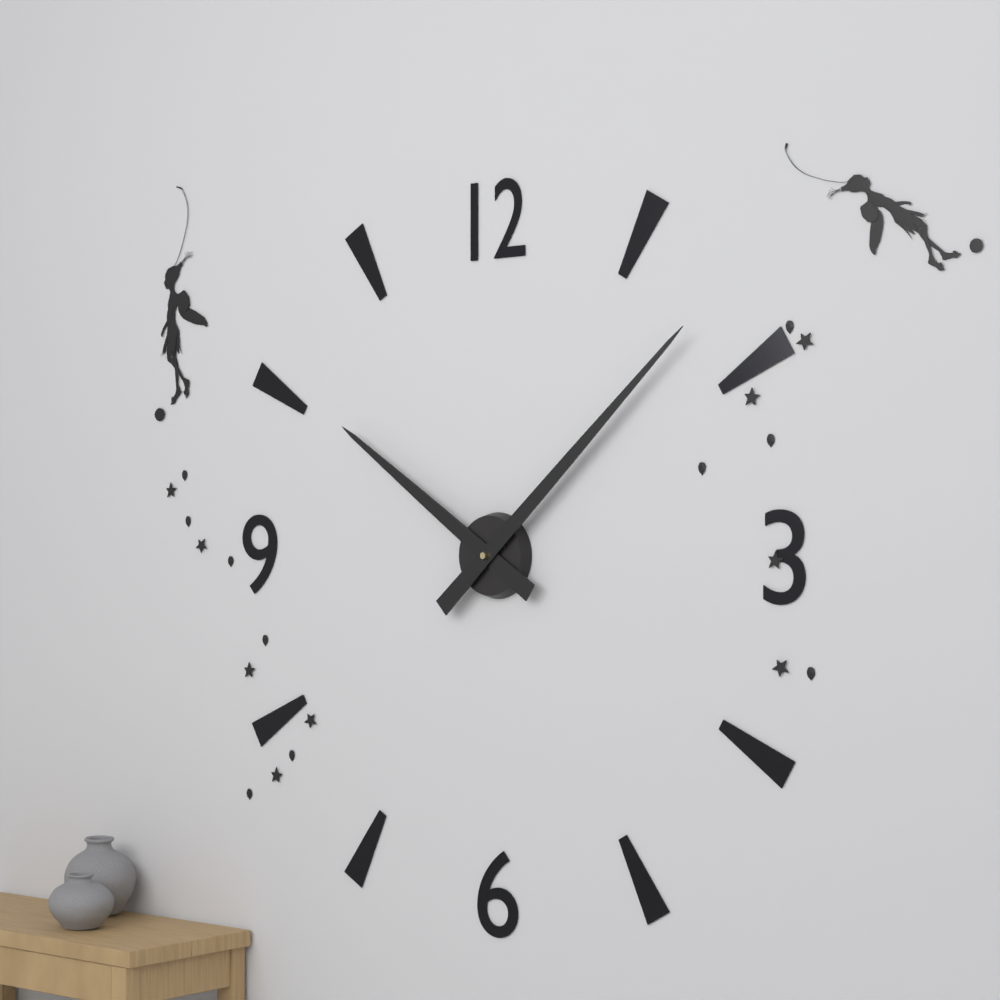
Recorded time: **10:08**
